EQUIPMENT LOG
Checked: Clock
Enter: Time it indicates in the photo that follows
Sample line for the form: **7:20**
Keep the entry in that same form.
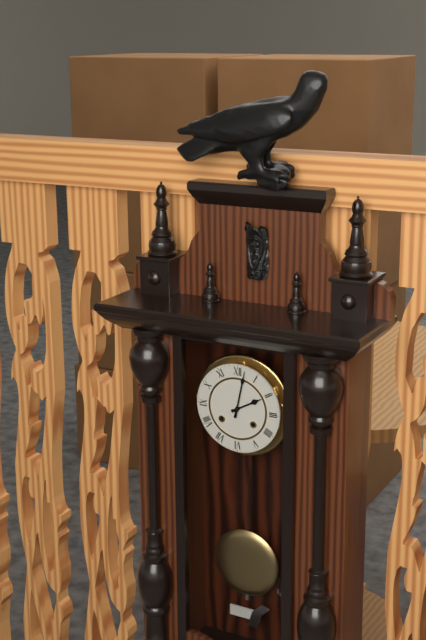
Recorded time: **2:02**
